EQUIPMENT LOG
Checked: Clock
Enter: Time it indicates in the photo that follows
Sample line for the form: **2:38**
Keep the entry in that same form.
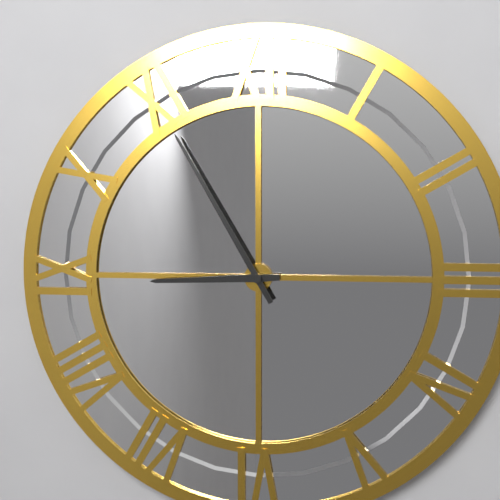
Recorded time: **8:55**
